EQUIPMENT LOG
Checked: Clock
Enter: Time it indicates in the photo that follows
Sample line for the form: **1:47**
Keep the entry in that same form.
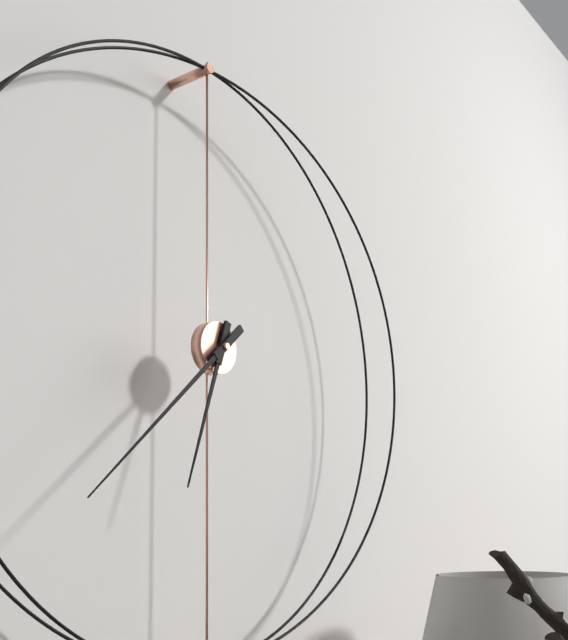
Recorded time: **6:38**
